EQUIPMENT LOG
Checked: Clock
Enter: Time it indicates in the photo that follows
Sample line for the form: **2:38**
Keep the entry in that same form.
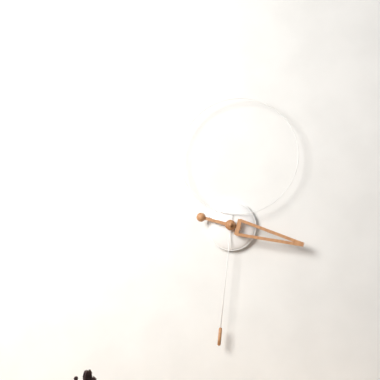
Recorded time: **3:31**
